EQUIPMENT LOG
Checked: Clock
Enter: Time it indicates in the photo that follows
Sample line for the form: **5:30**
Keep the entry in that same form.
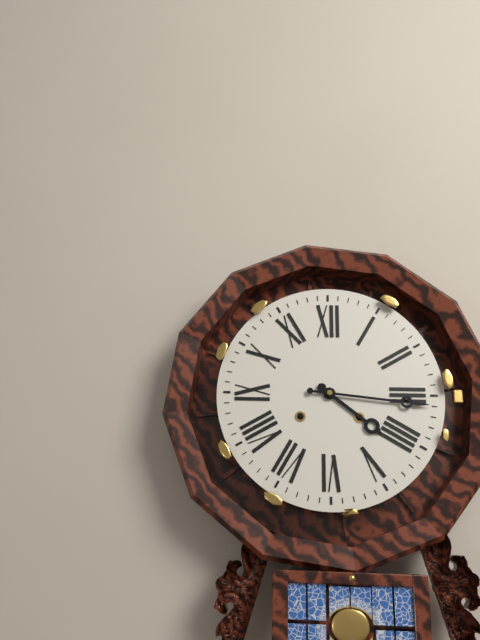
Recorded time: **4:16**
